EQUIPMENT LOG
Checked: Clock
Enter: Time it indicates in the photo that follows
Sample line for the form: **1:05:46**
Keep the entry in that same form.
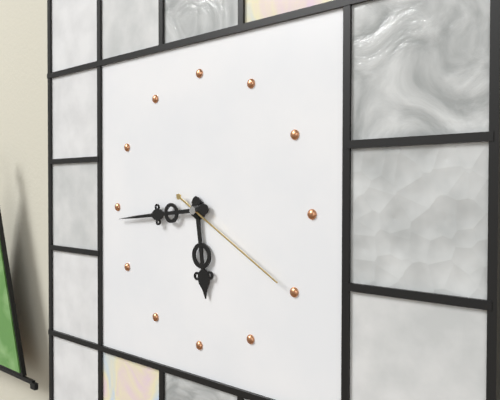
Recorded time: **5:44:20**
